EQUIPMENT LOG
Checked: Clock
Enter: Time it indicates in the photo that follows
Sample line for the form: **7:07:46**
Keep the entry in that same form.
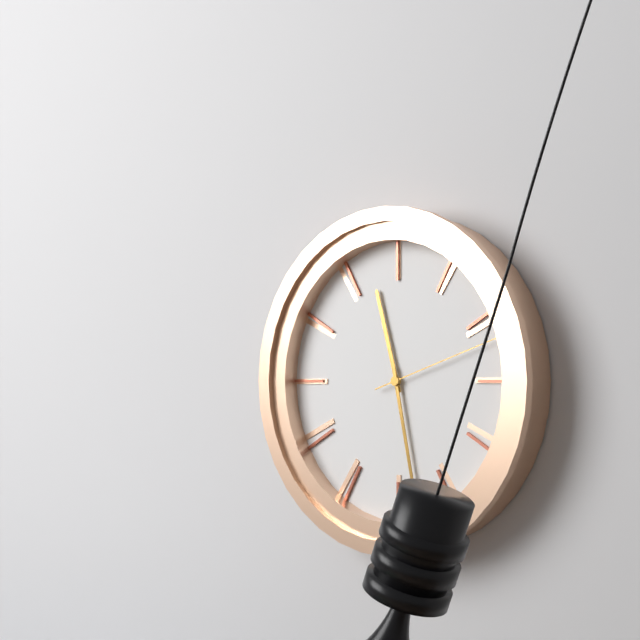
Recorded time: **11:28:12**
